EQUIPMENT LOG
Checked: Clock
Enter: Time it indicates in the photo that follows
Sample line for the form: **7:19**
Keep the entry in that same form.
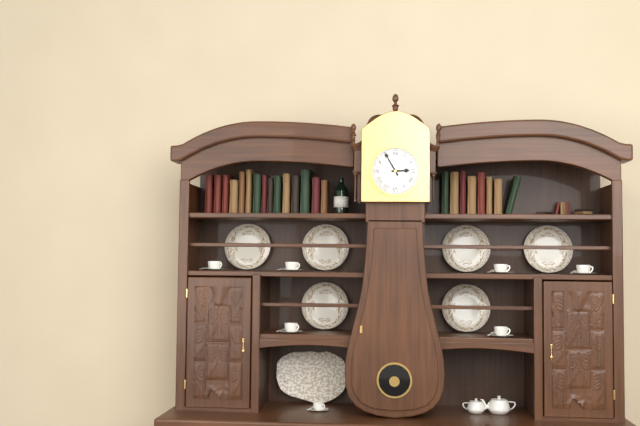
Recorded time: **2:55**
